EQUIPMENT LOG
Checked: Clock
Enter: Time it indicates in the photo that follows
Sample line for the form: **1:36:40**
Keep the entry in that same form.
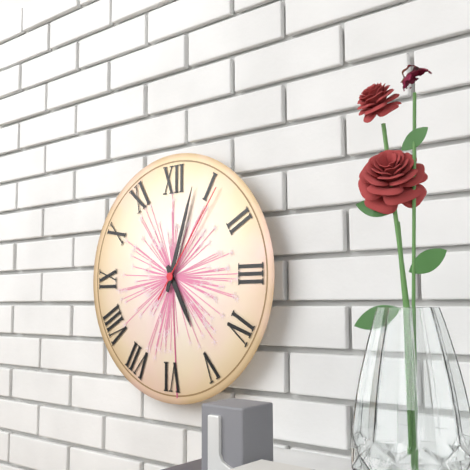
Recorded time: **5:03:06**
